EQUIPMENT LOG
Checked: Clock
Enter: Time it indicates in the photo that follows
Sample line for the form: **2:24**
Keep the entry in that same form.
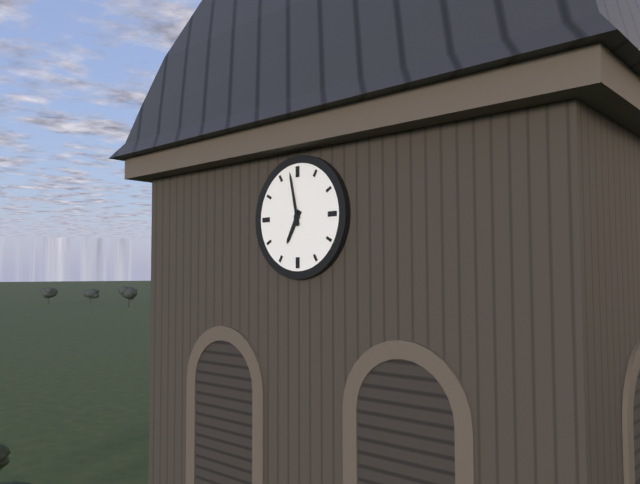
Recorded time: **6:58**
